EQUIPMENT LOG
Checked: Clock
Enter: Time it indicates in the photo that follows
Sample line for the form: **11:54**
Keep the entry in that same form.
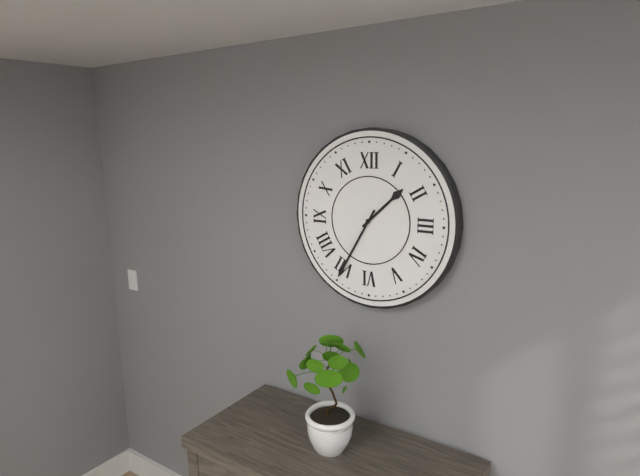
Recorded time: **1:35**
